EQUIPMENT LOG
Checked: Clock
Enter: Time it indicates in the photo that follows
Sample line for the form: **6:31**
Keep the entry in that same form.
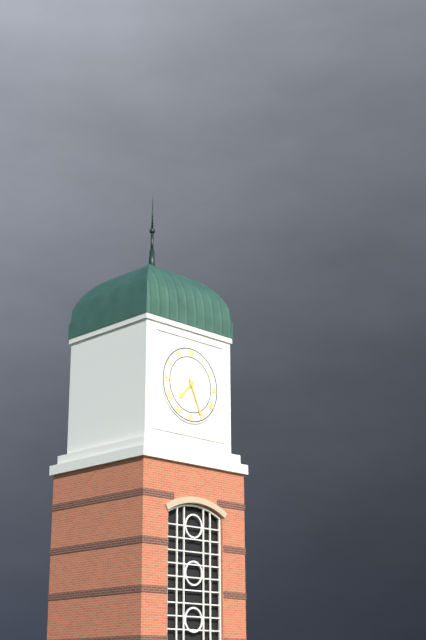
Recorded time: **7:26**
